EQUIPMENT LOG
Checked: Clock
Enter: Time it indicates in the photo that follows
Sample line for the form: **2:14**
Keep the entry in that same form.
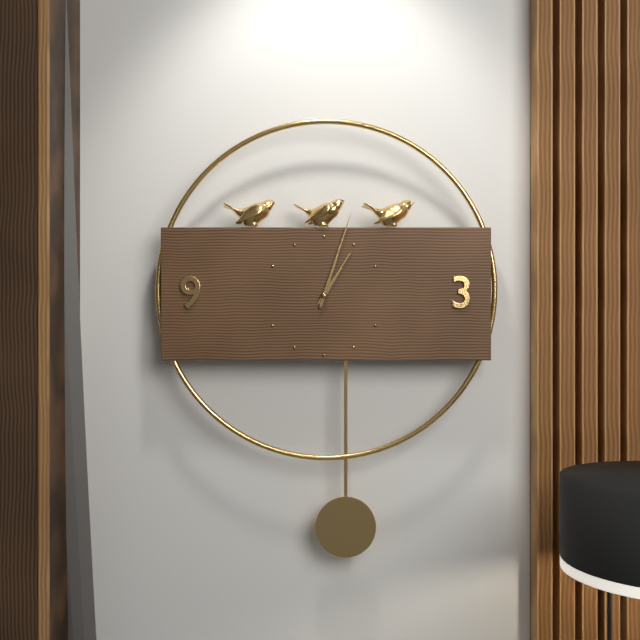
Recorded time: **1:03**
